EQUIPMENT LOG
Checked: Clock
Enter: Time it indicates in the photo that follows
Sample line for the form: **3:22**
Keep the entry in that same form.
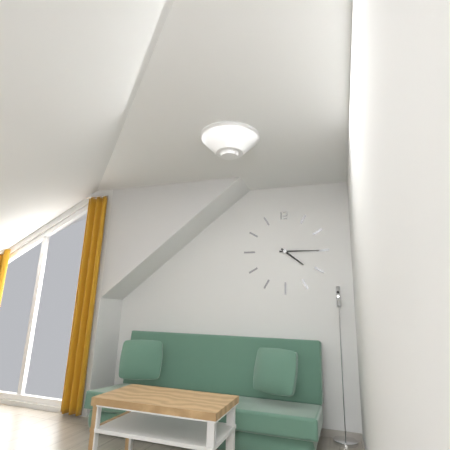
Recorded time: **4:15**
